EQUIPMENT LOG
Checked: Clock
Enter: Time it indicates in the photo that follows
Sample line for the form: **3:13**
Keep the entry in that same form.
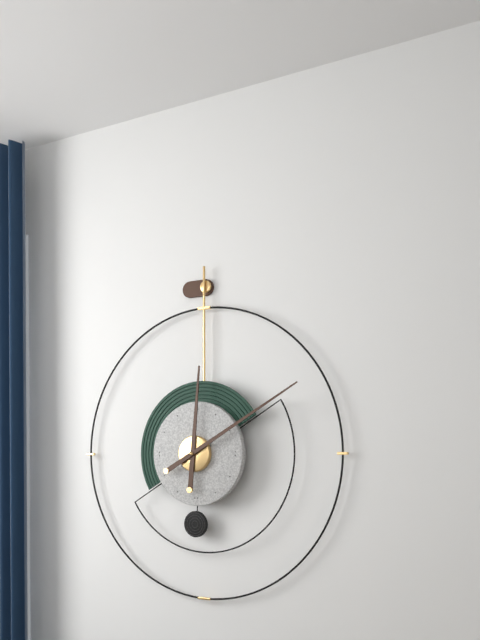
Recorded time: **12:10**
